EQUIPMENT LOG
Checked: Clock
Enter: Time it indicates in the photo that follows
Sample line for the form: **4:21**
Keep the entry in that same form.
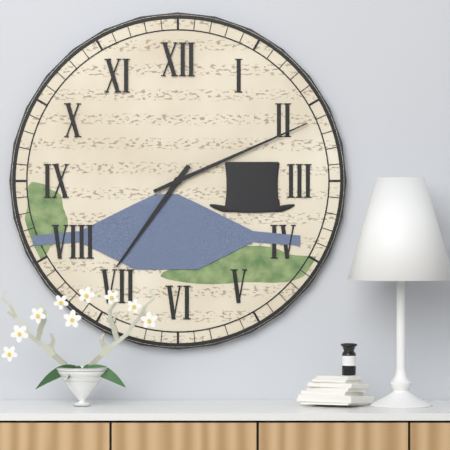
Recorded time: **7:11**
